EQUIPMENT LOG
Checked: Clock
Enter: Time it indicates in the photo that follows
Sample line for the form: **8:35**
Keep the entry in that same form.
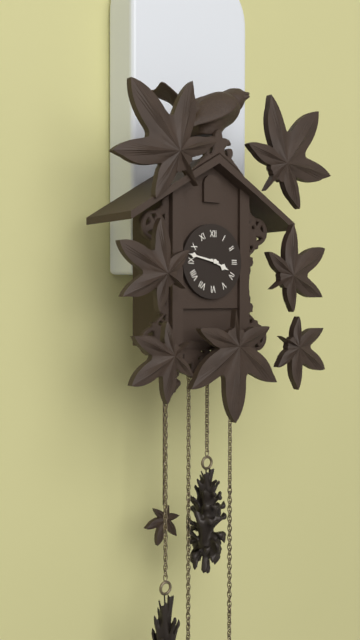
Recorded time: **3:47**
